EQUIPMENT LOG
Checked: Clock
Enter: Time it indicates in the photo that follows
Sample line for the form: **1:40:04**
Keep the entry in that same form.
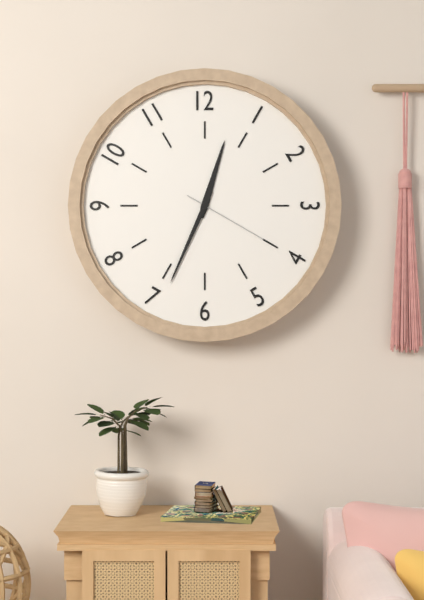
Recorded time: **12:34:20**
